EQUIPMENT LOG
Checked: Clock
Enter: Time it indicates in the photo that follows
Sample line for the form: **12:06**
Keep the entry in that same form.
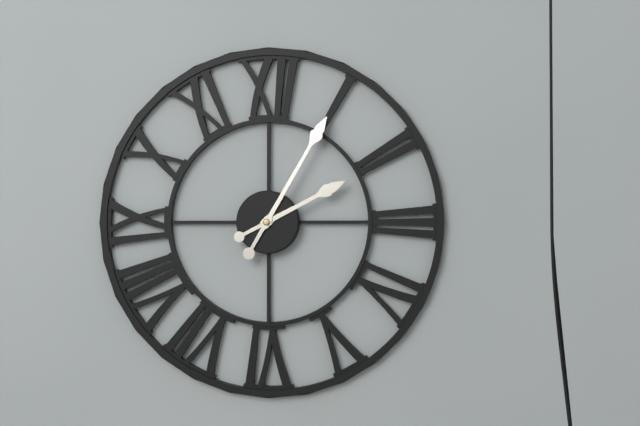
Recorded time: **2:05**
